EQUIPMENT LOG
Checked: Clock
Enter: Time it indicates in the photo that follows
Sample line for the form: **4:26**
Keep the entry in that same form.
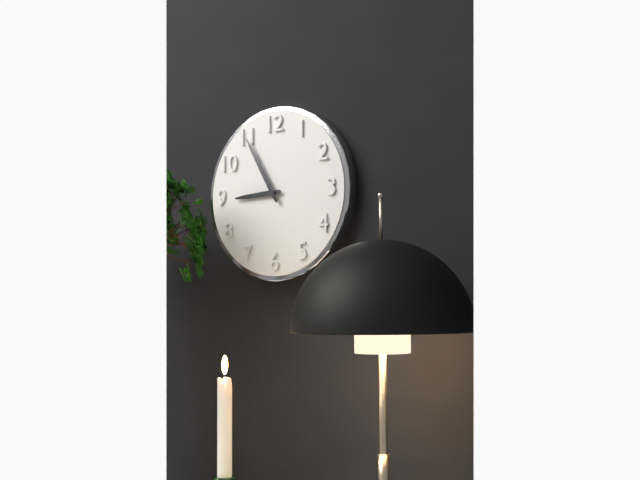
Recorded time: **8:55**
